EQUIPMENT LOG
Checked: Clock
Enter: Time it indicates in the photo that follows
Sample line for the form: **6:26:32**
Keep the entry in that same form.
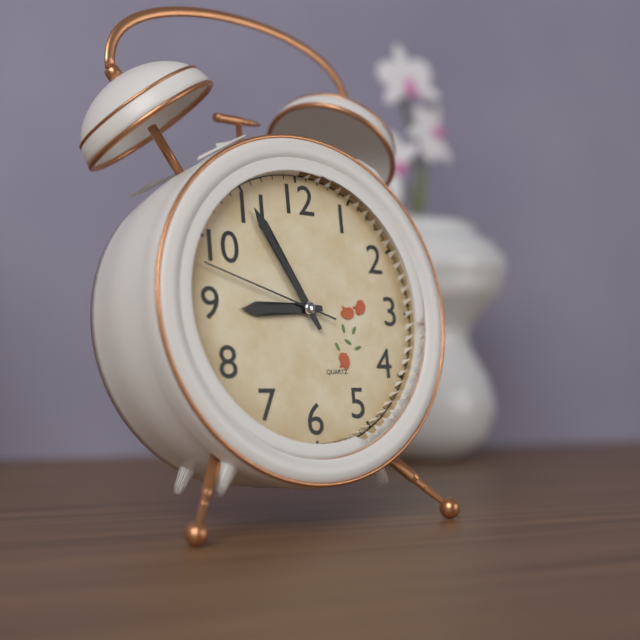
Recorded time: **8:55:48**
